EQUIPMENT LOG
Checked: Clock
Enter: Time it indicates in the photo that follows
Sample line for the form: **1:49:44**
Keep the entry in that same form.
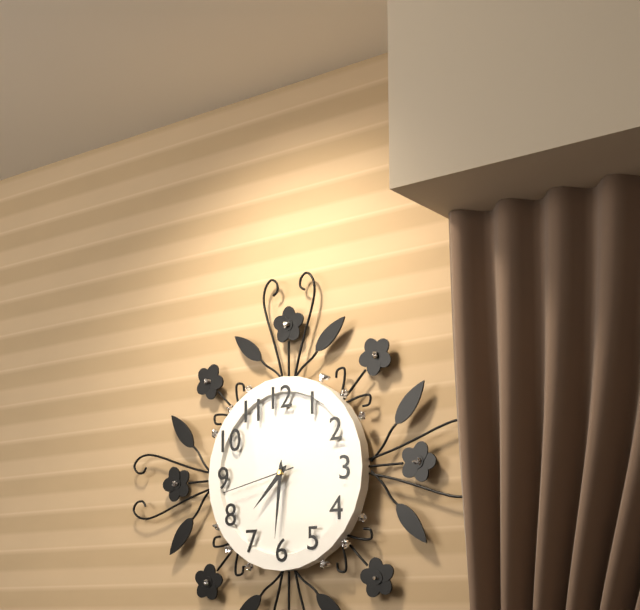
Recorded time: **7:31:43**
